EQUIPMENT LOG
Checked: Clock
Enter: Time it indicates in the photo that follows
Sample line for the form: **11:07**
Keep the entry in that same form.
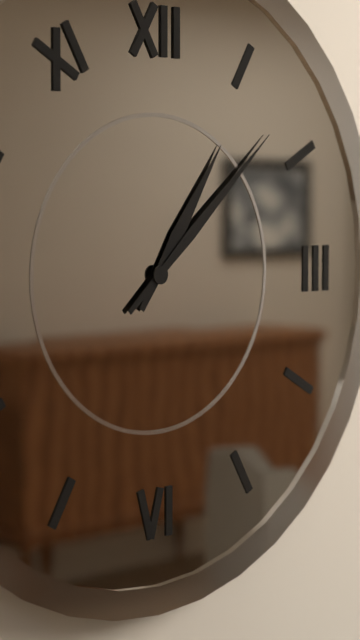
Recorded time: **1:08**
